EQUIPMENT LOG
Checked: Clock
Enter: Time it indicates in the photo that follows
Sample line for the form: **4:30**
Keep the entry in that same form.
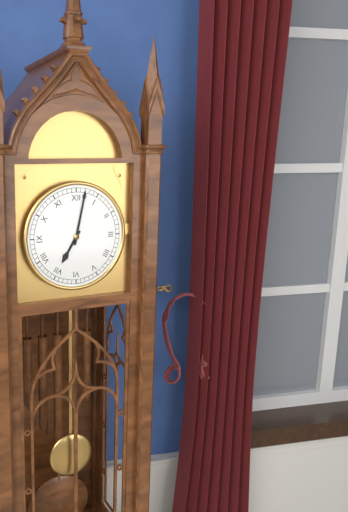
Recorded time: **7:02**
